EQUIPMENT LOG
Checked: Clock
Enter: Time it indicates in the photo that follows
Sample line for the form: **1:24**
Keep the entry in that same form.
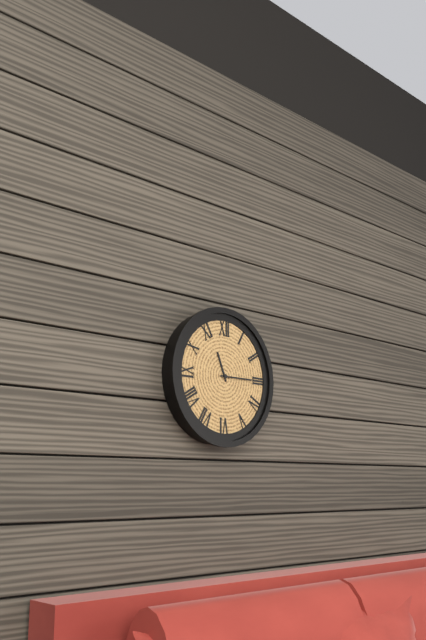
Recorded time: **11:15**
